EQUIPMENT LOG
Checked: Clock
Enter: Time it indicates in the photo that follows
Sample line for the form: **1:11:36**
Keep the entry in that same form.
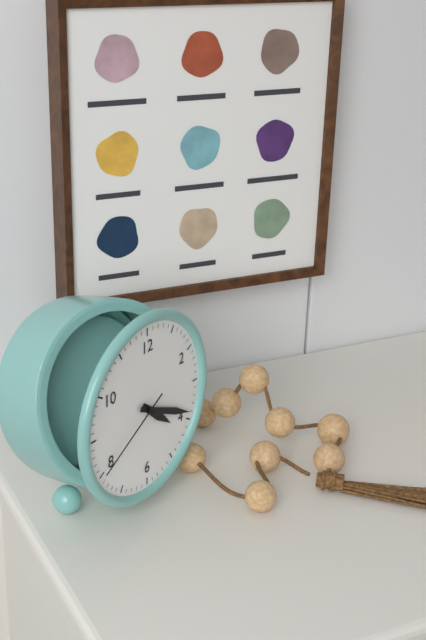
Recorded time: **4:19:40**
